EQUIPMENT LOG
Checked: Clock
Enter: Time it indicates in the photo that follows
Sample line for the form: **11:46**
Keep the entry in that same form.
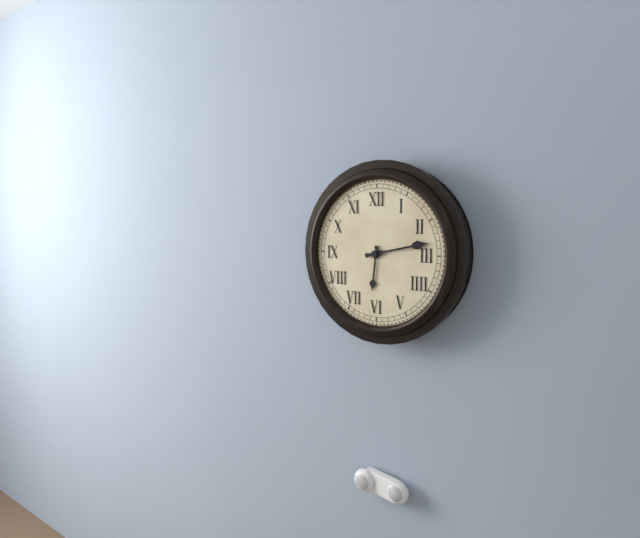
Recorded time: **6:13**
